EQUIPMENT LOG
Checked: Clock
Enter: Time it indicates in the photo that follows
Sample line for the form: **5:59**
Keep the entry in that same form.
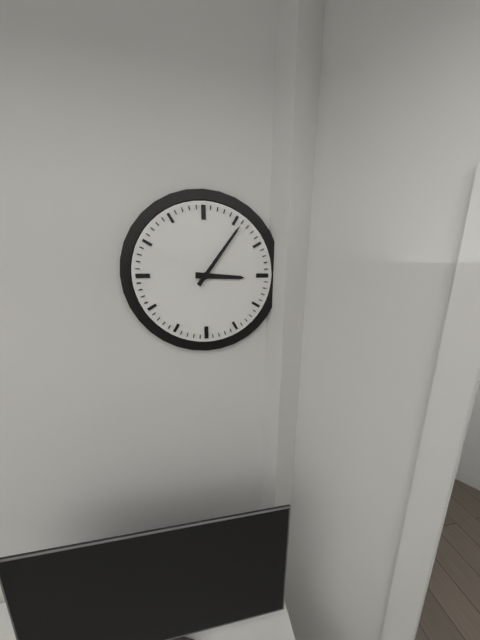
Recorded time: **3:06**
